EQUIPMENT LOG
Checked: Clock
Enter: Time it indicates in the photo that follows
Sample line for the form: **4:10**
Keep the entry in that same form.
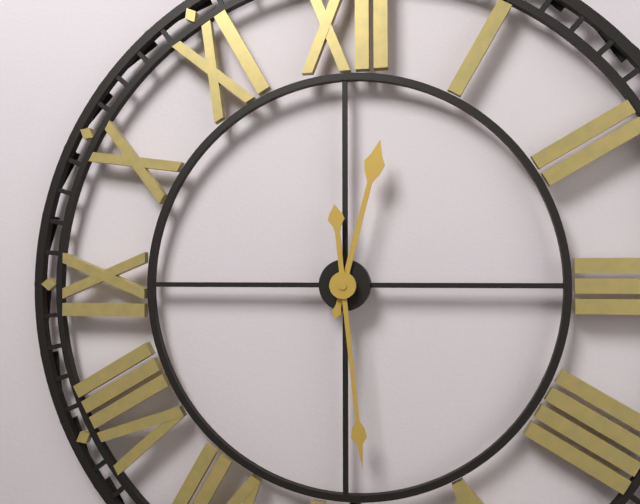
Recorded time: **12:29**
